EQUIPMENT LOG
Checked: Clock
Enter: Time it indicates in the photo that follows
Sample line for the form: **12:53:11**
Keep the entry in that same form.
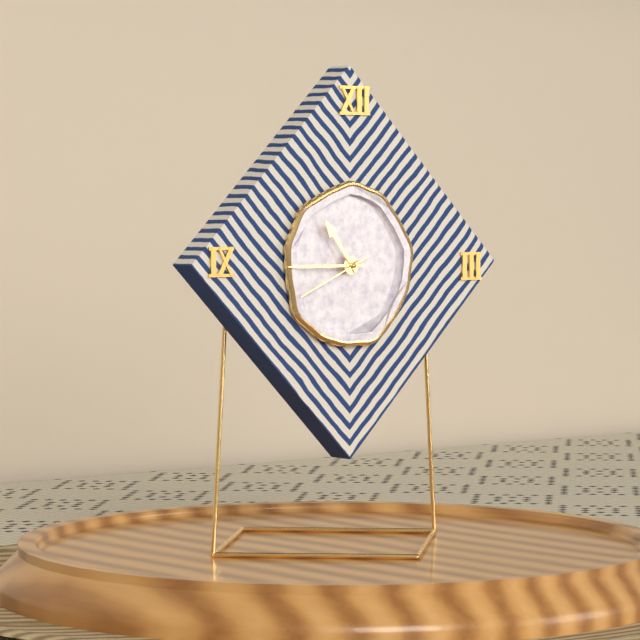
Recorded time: **10:45:41**
